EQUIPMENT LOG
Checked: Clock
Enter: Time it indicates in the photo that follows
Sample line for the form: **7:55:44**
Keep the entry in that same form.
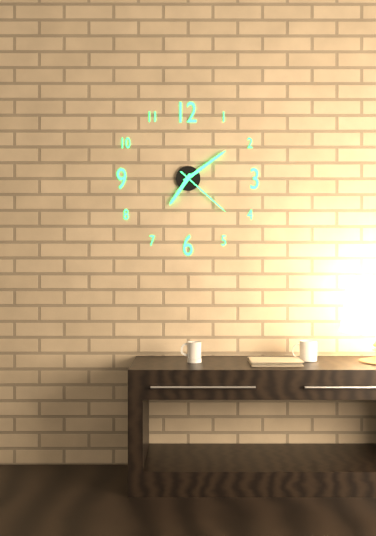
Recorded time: **7:09:22**
